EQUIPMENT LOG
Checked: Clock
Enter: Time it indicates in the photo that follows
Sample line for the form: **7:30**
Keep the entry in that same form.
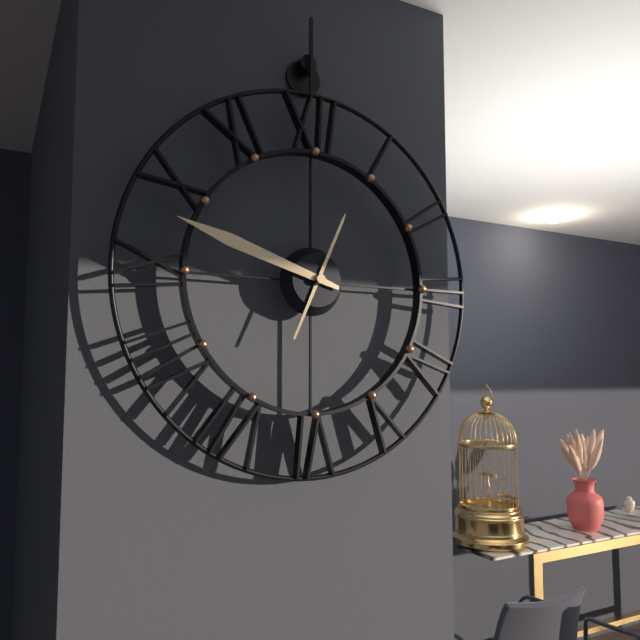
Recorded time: **12:48**
